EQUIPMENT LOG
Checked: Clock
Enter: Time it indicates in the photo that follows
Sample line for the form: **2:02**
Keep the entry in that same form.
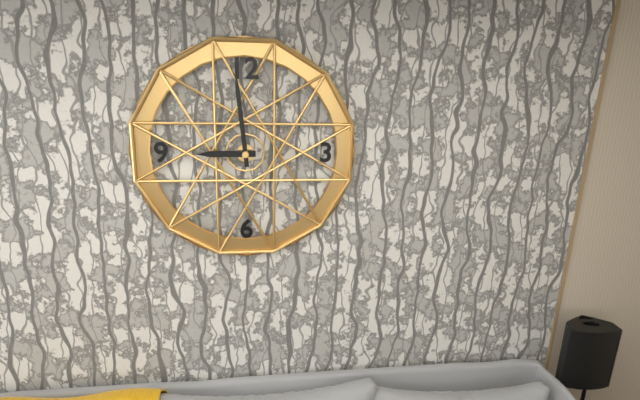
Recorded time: **8:59**
